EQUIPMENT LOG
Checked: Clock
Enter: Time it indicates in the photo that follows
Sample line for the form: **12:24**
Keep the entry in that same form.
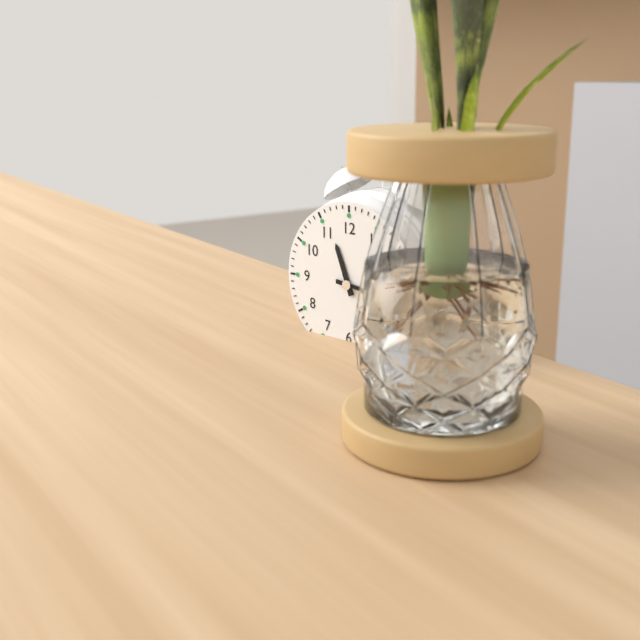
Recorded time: **11:16**
